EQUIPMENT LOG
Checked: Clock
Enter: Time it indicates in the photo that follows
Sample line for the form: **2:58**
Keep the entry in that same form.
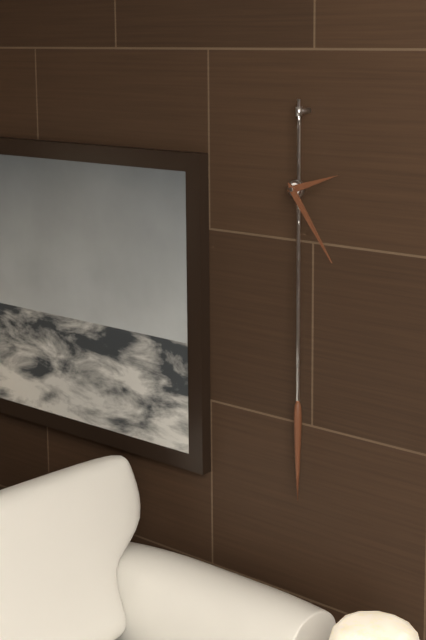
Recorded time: **2:24**
